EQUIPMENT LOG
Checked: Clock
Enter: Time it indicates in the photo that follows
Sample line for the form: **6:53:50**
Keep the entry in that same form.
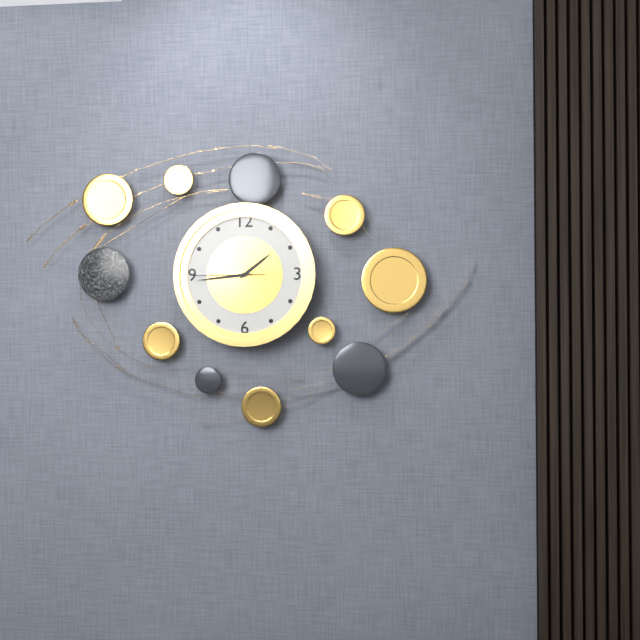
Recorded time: **1:44:45**
